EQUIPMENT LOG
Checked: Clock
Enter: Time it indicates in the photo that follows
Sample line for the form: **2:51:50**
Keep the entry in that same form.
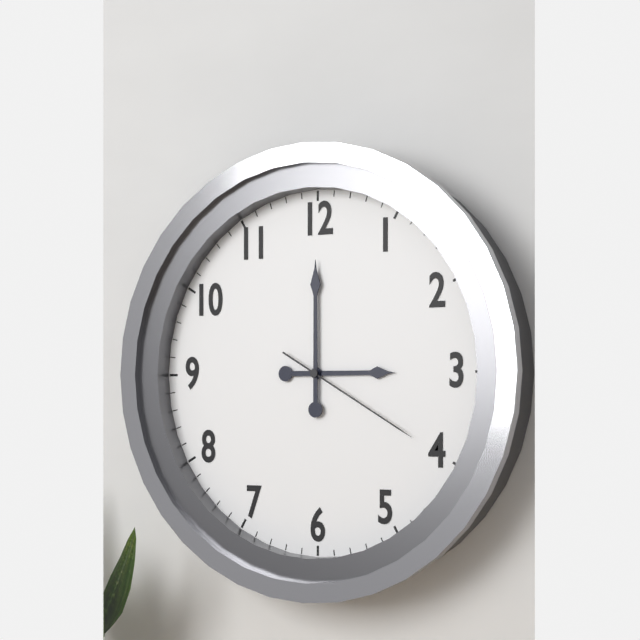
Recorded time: **3:00:20**
